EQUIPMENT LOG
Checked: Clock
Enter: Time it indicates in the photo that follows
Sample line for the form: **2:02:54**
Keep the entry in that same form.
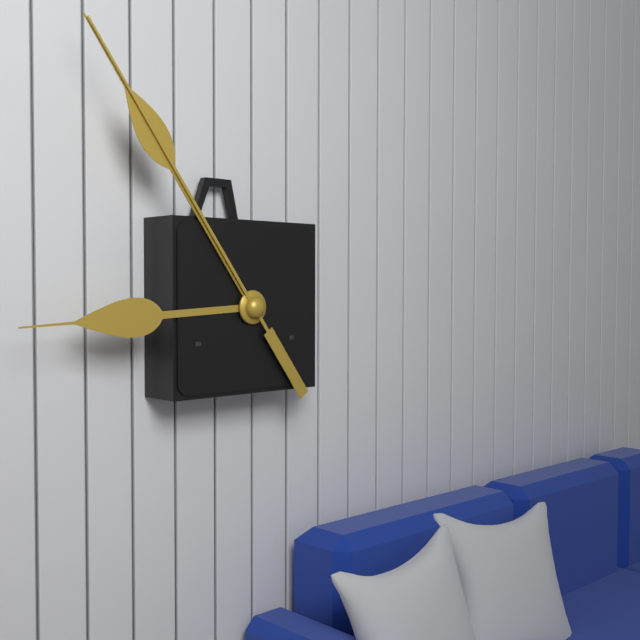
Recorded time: **8:54:54**
